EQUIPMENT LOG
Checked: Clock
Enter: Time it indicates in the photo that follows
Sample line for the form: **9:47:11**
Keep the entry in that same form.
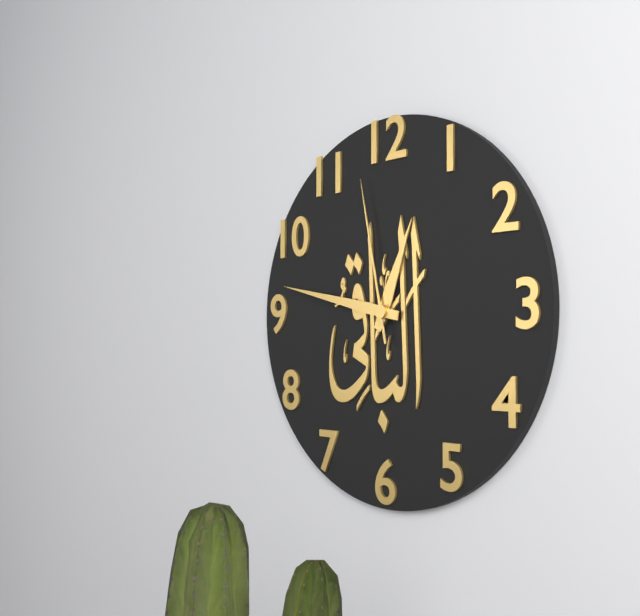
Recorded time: **12:47:58**
